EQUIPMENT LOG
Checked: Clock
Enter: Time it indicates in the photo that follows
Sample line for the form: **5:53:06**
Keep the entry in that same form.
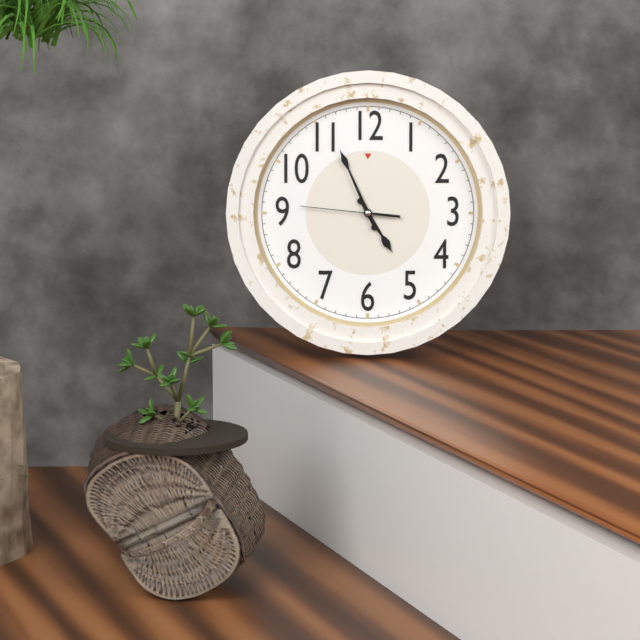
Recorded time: **4:56:46**
